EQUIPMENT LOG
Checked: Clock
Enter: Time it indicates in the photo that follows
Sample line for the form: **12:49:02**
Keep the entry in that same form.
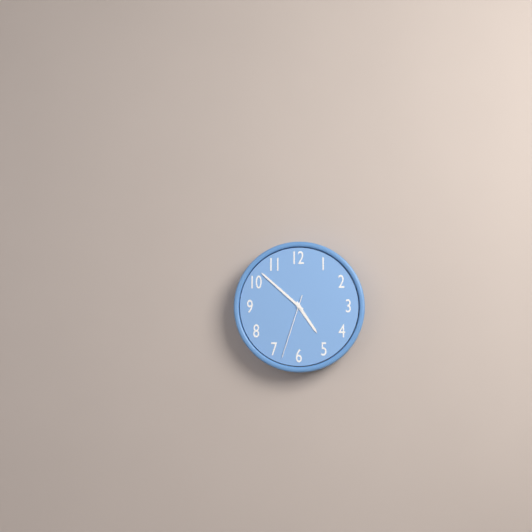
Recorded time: **4:52:33**
